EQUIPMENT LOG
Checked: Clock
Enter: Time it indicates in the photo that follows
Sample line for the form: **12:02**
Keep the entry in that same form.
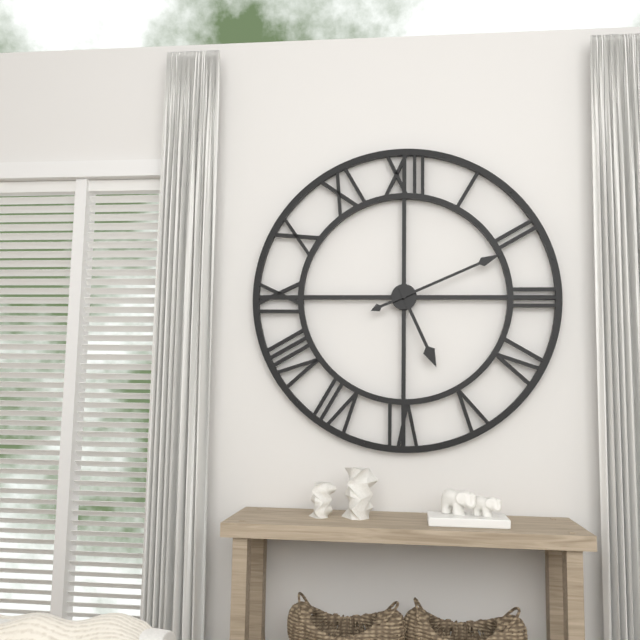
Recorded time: **5:11**
